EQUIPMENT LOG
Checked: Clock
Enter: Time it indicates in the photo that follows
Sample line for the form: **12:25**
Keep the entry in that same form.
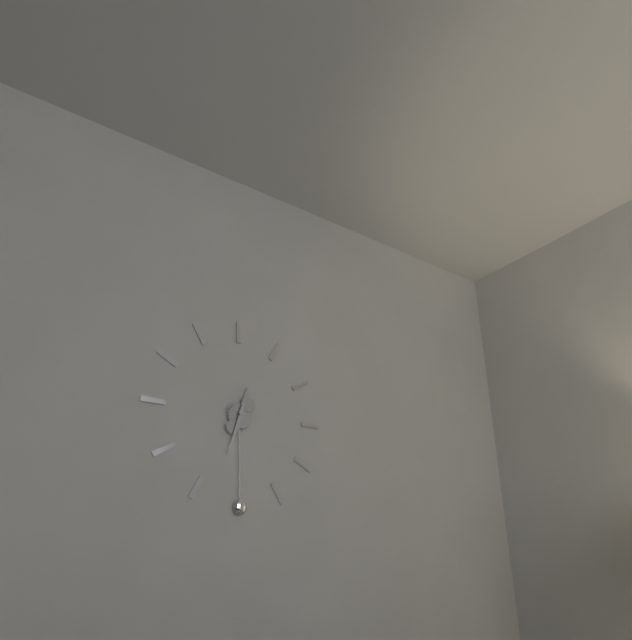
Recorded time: **12:33**
